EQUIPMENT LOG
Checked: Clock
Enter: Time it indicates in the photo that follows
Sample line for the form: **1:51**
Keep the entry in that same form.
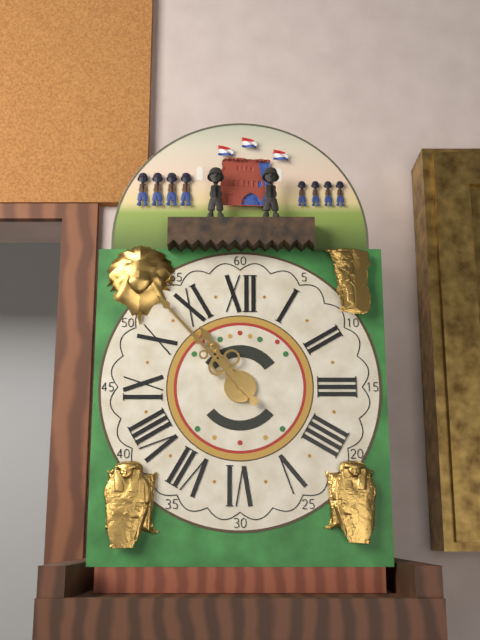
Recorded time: **10:53**
